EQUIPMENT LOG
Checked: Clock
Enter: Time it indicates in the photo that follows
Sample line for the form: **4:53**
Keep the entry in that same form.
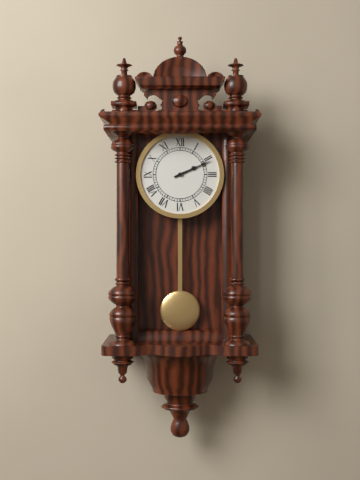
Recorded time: **2:11**
